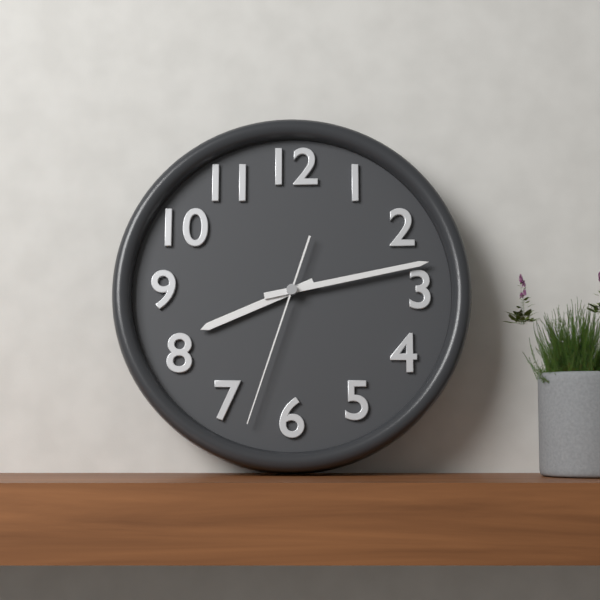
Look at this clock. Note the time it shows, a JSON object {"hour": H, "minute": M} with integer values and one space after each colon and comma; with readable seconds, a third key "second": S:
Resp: {"hour": 8, "minute": 13, "second": 33}
